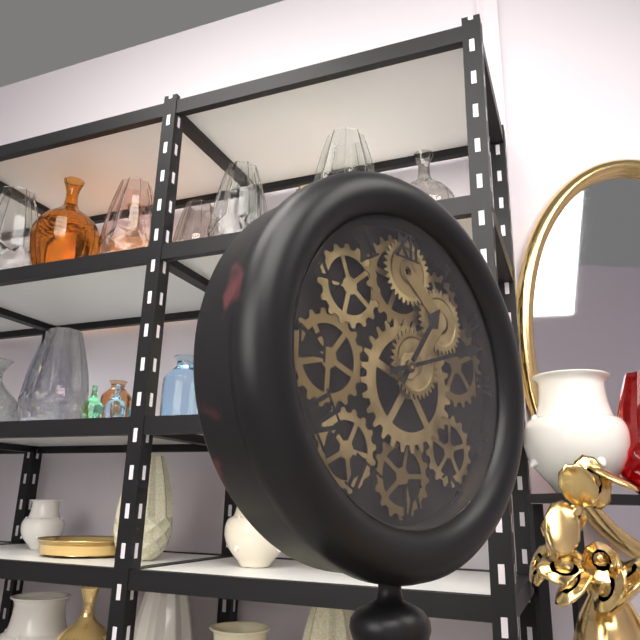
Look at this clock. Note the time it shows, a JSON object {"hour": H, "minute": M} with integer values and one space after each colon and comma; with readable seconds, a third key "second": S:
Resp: {"hour": 1, "minute": 12}
